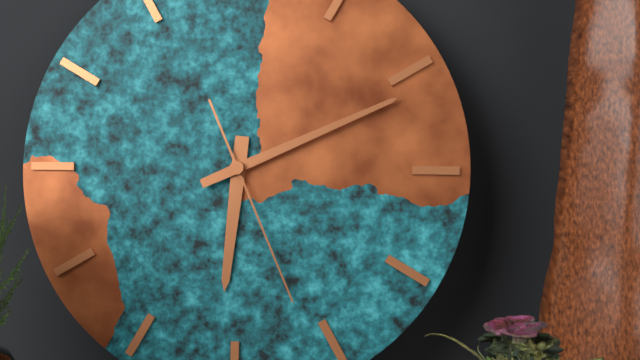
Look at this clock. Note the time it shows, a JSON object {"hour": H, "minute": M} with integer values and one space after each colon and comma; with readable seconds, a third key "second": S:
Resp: {"hour": 6, "minute": 11, "second": 26}
